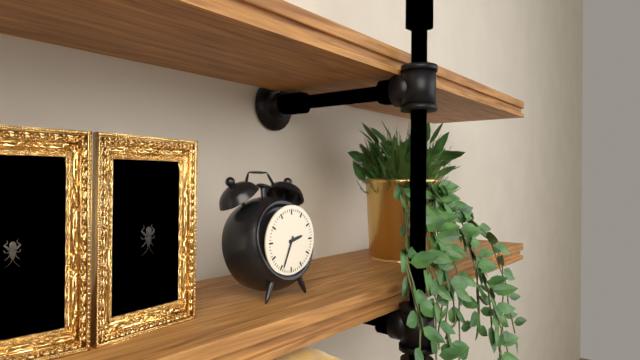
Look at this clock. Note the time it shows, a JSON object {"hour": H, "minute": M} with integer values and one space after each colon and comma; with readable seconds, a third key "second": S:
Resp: {"hour": 2, "minute": 34}
